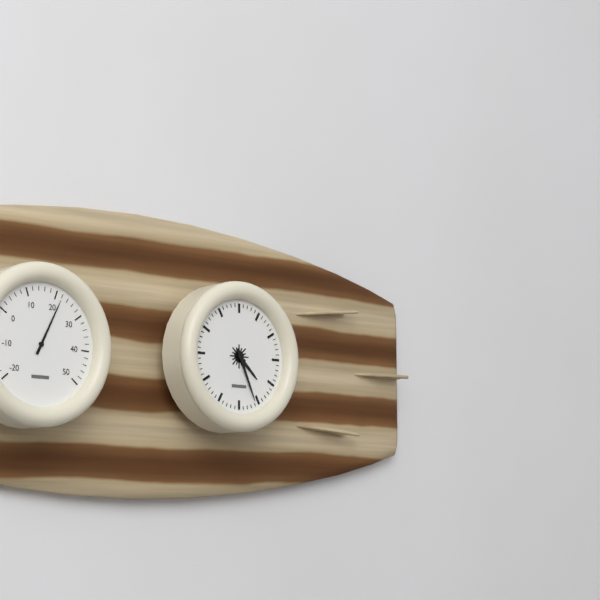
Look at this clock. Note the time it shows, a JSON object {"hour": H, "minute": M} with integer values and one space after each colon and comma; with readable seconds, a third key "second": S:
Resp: {"hour": 4, "minute": 26}
